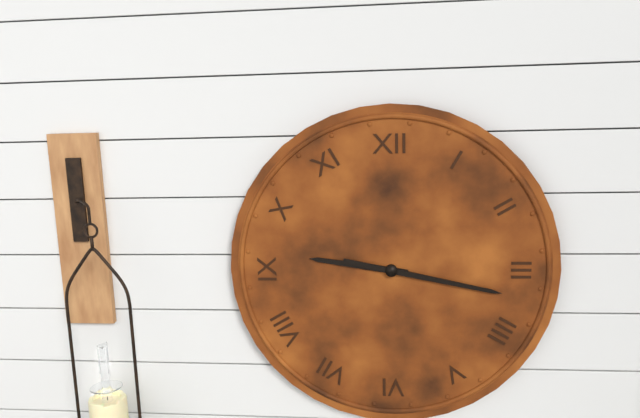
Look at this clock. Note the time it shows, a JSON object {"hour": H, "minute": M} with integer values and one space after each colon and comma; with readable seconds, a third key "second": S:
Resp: {"hour": 9, "minute": 17}
